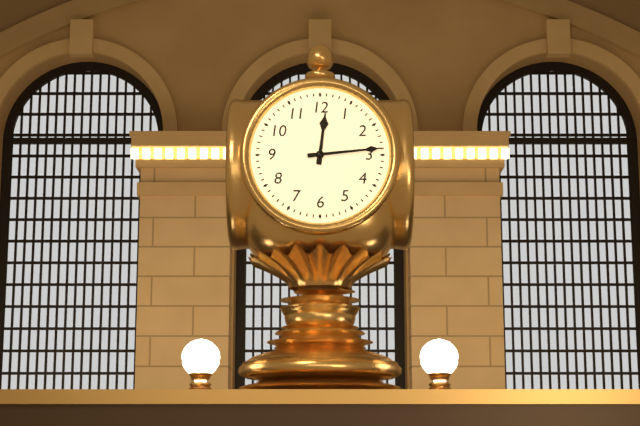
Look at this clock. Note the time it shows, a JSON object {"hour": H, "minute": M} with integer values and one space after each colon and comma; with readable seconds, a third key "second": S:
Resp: {"hour": 12, "minute": 14}
